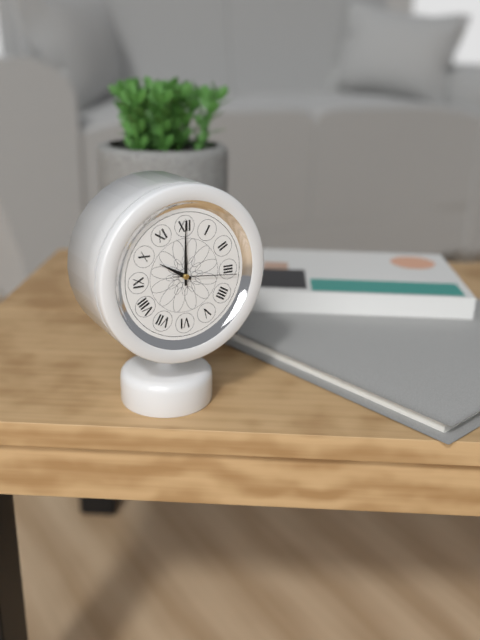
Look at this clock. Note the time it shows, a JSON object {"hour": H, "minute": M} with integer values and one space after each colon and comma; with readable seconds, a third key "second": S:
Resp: {"hour": 10, "minute": 0, "second": 16}
